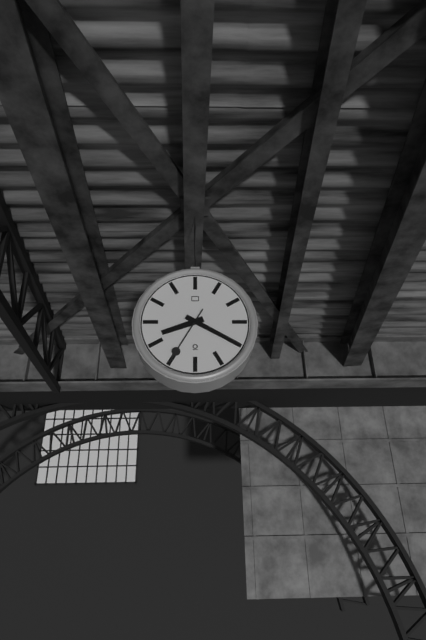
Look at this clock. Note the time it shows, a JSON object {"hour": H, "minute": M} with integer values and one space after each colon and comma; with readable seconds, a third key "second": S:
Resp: {"hour": 8, "minute": 20, "second": 35}
